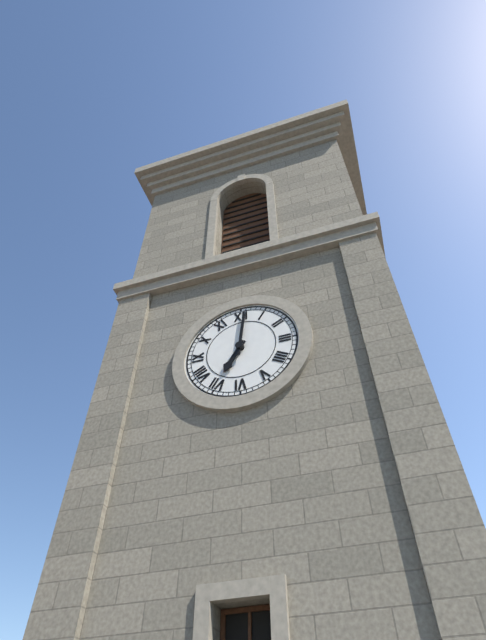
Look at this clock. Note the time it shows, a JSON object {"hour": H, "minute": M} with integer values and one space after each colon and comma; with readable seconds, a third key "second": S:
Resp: {"hour": 7, "minute": 1}
